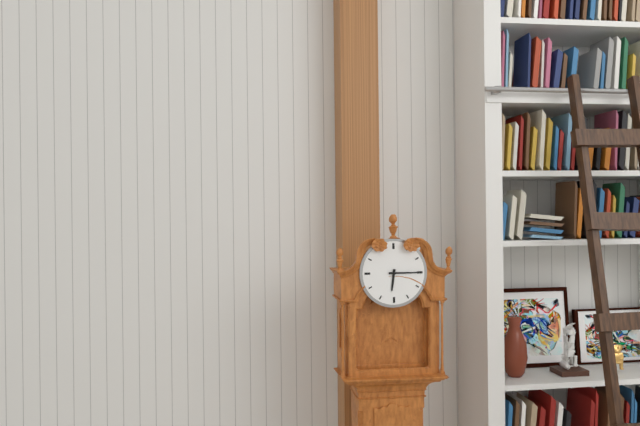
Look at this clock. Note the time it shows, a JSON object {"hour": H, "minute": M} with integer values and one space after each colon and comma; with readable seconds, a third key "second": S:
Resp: {"hour": 6, "minute": 15}
